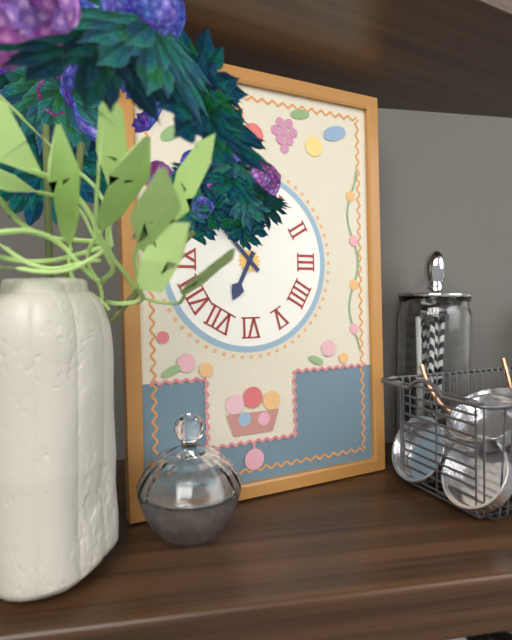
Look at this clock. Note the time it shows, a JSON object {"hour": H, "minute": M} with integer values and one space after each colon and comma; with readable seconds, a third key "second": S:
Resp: {"hour": 6, "minute": 53}
